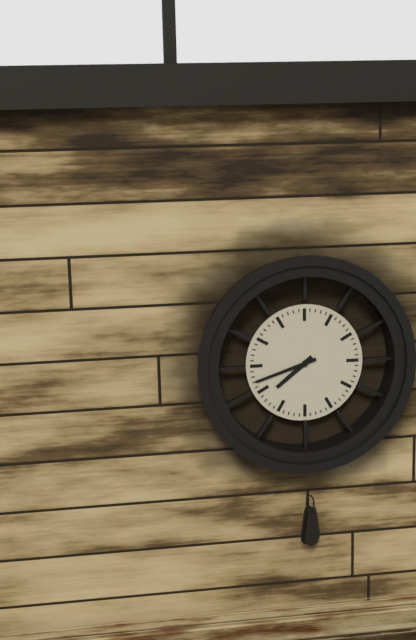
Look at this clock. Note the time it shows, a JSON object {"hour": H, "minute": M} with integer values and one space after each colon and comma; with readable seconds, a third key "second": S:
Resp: {"hour": 7, "minute": 42}
